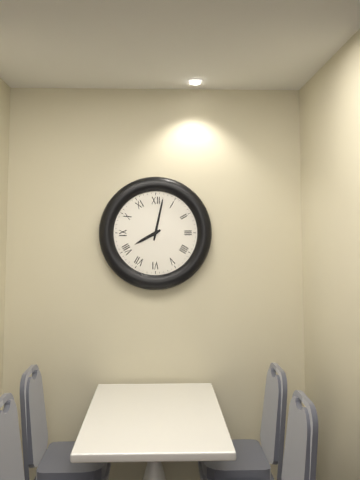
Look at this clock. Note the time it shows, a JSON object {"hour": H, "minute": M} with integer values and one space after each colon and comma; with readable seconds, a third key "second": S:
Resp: {"hour": 8, "minute": 2}
